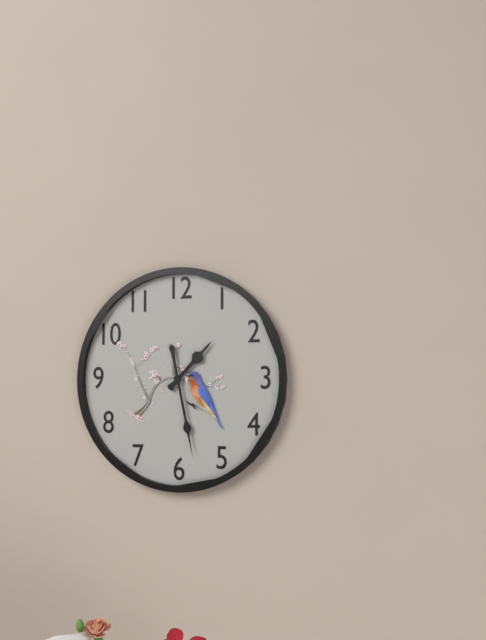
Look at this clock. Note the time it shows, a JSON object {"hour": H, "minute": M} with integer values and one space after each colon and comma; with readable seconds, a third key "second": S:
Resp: {"hour": 1, "minute": 28}
